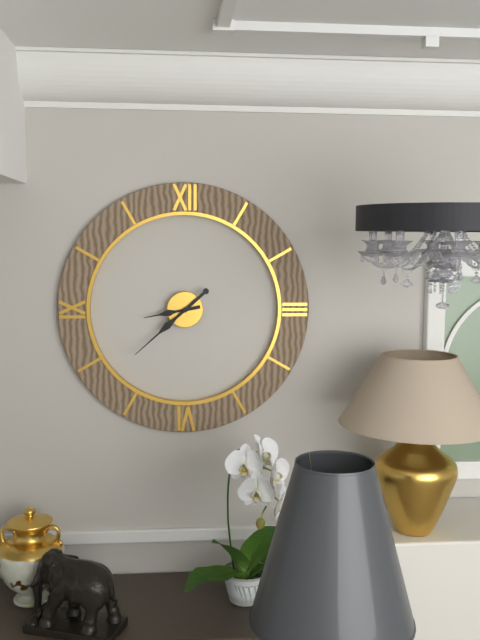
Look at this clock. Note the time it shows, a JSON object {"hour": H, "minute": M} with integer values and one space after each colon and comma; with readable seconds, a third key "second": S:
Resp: {"hour": 8, "minute": 38}
